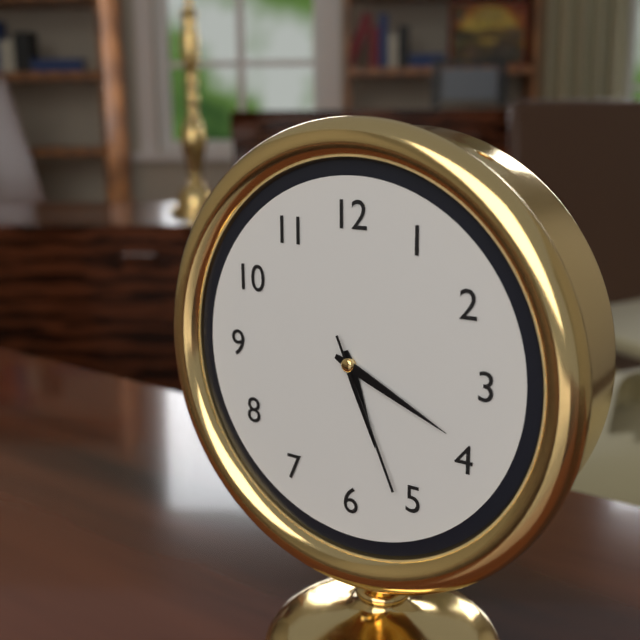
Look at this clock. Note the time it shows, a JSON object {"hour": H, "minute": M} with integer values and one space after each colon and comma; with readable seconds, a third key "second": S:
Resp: {"hour": 5, "minute": 19, "second": 26}
